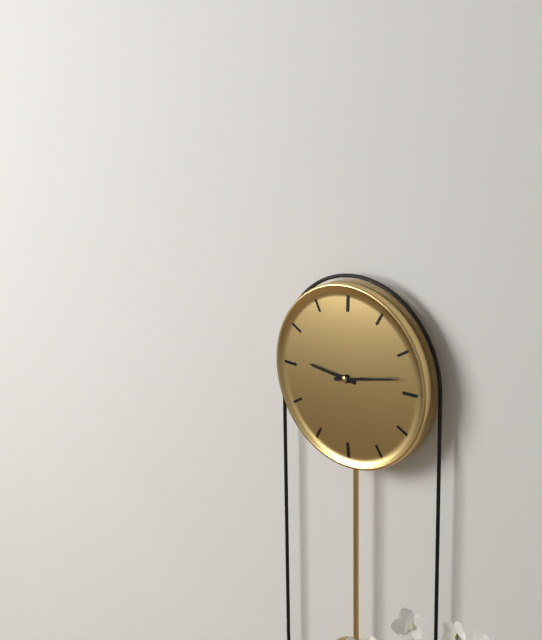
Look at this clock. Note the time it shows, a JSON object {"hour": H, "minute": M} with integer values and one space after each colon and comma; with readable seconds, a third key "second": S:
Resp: {"hour": 9, "minute": 13}
